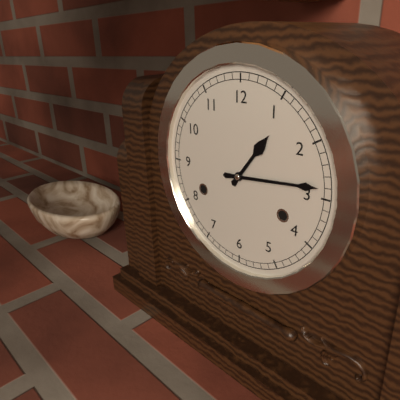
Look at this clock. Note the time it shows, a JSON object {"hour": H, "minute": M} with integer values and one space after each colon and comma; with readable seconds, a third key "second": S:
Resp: {"hour": 1, "minute": 14}
